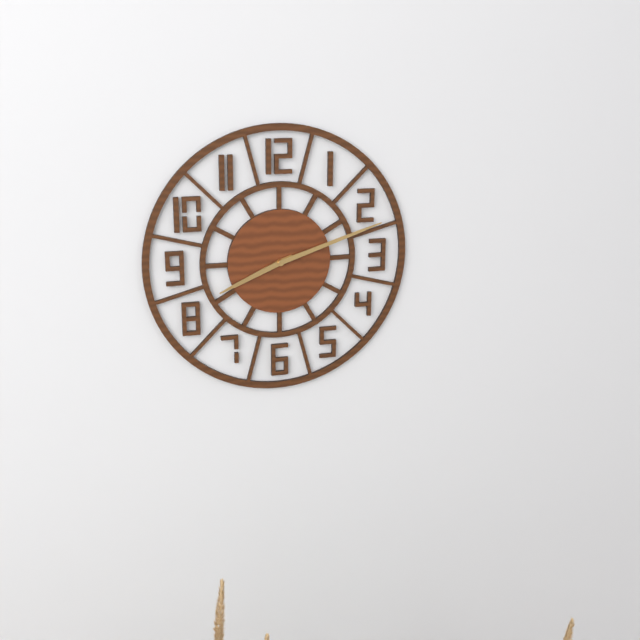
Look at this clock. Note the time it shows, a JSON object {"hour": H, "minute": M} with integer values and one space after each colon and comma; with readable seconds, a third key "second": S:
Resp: {"hour": 8, "minute": 12}
